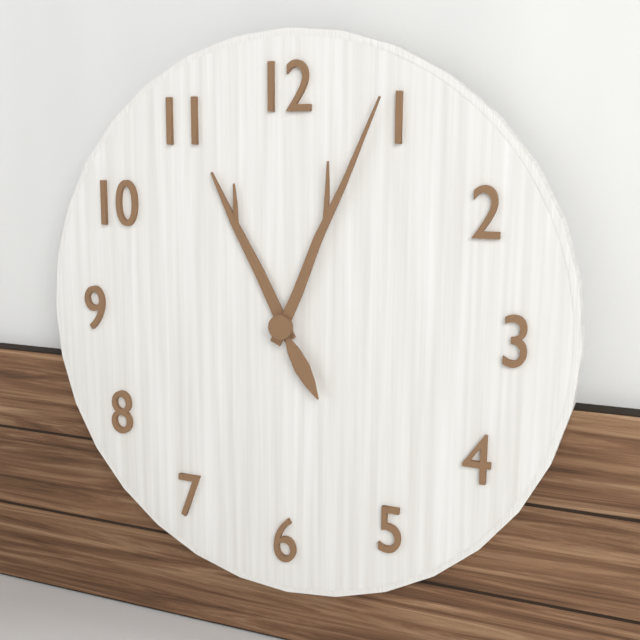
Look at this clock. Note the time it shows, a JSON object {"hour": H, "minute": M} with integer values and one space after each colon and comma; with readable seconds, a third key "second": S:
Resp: {"hour": 11, "minute": 4, "second": 25}
